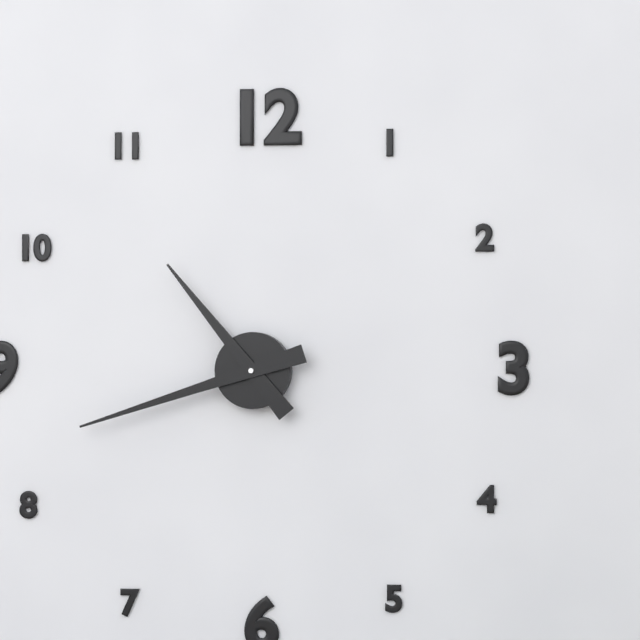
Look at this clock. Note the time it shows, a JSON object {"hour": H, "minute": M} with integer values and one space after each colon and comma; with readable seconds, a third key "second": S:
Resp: {"hour": 10, "minute": 42}
